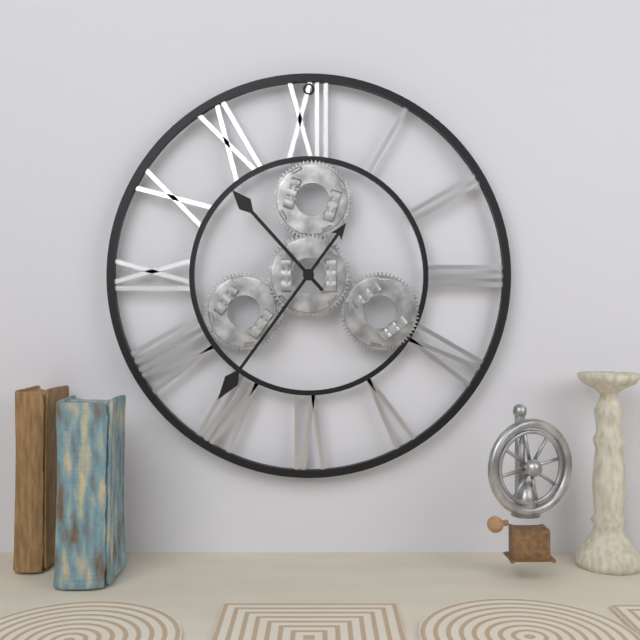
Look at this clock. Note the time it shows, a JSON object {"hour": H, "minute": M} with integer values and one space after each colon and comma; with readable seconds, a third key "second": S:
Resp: {"hour": 10, "minute": 36}
